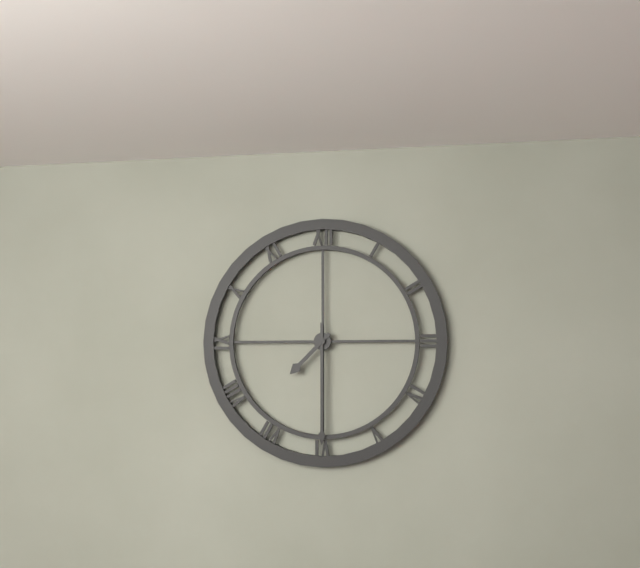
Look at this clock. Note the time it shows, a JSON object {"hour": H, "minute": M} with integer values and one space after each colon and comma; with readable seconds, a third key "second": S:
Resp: {"hour": 7, "minute": 30}
